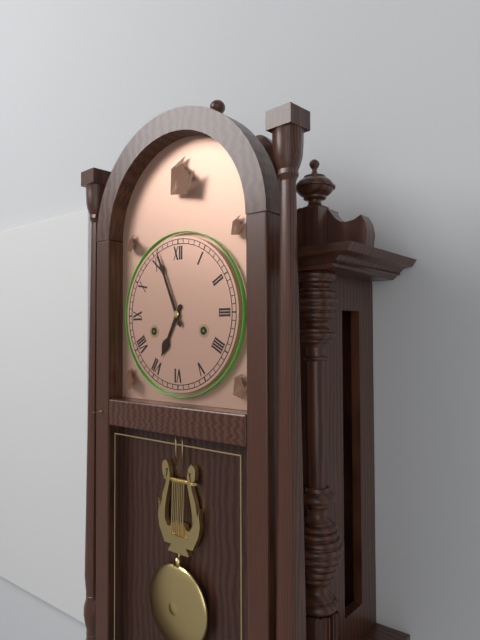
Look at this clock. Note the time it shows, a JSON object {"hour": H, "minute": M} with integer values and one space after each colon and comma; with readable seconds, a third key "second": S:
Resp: {"hour": 6, "minute": 56}
